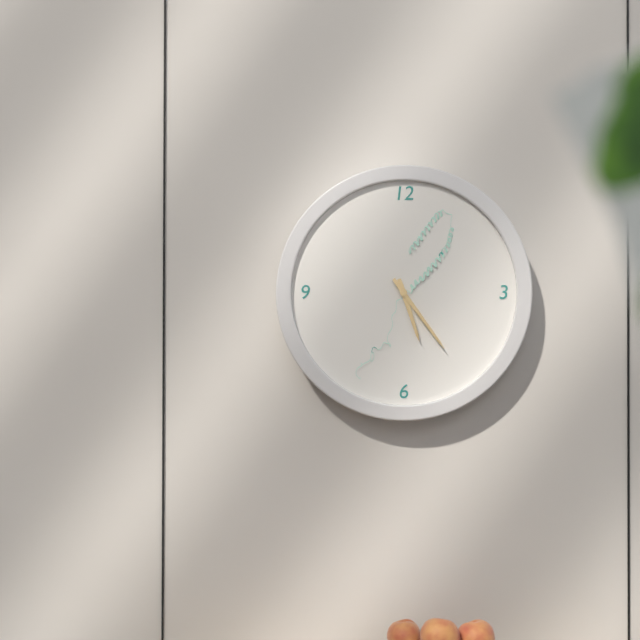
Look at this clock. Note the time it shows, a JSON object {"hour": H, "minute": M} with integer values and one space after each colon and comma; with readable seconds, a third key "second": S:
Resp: {"hour": 5, "minute": 24}
